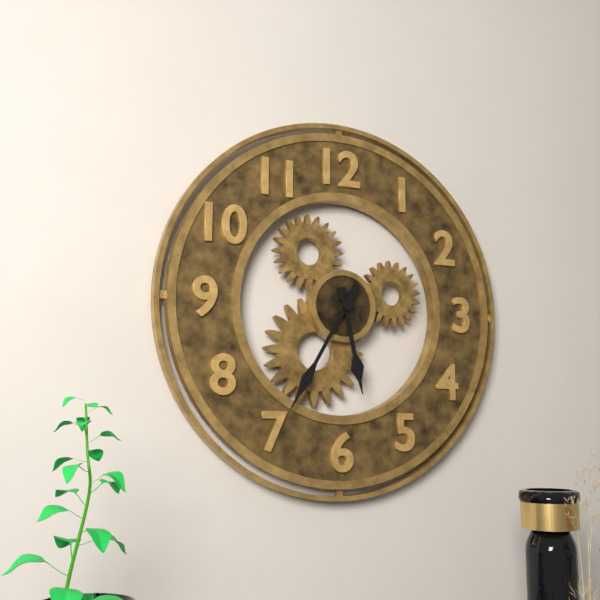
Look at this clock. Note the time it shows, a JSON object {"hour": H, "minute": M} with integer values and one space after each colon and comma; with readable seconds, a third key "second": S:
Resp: {"hour": 5, "minute": 35}
